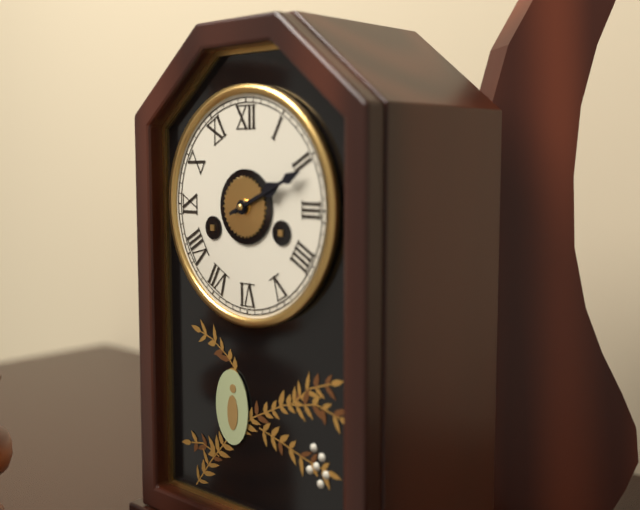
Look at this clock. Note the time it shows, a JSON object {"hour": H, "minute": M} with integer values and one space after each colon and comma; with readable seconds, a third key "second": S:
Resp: {"hour": 2, "minute": 11}
